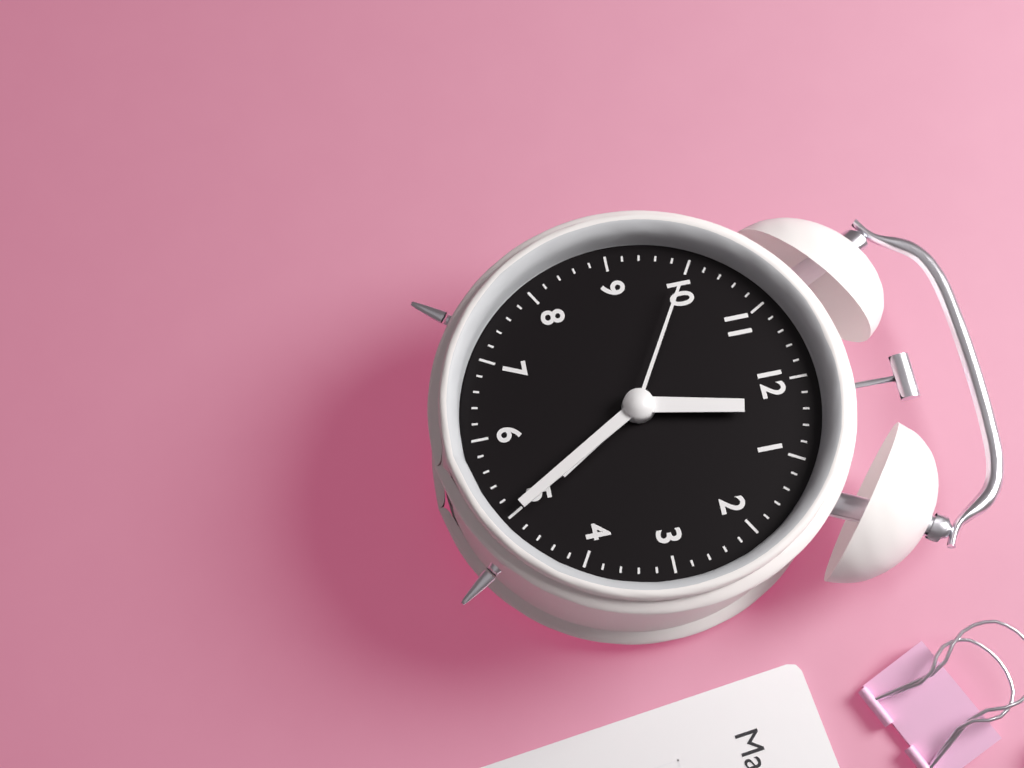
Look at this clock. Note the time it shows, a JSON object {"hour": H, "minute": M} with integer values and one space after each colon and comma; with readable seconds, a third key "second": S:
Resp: {"hour": 12, "minute": 25, "second": 50}
